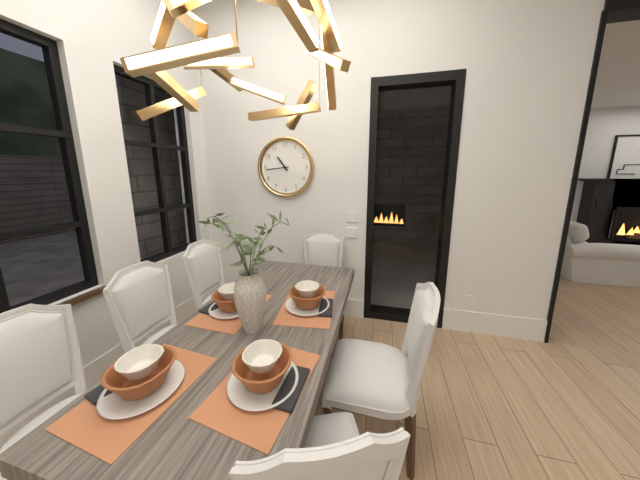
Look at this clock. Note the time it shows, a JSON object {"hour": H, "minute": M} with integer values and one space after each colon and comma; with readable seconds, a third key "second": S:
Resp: {"hour": 10, "minute": 44}
